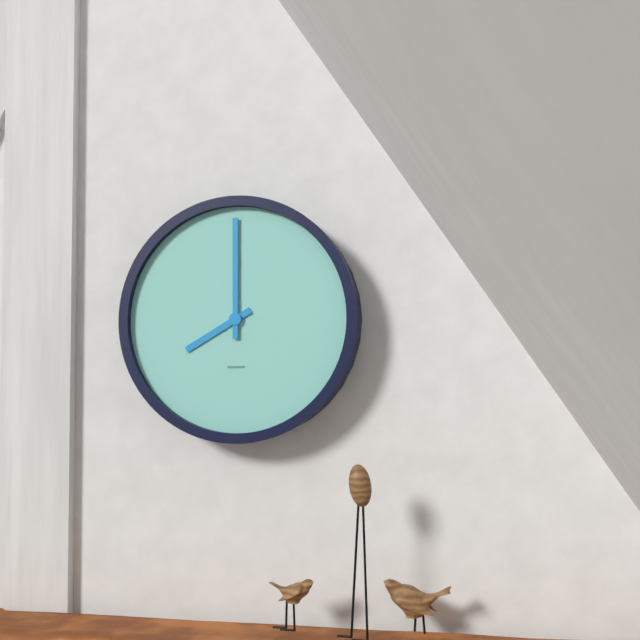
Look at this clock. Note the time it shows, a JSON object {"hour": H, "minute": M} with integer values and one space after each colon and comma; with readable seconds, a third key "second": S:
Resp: {"hour": 8, "minute": 0}
